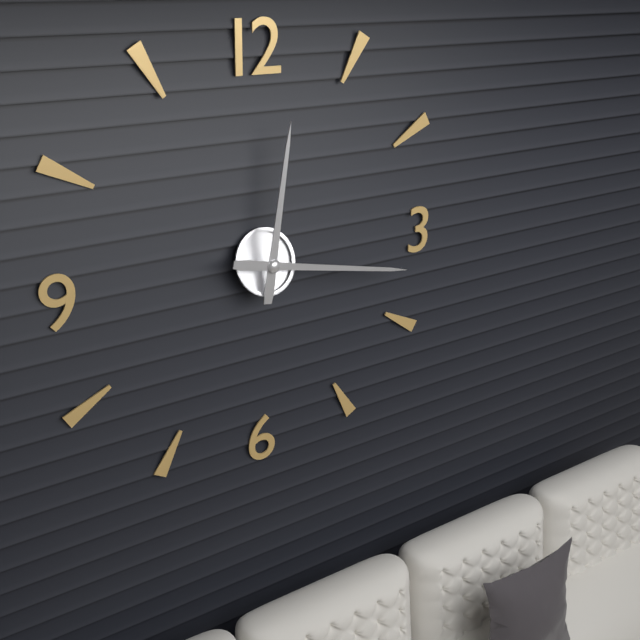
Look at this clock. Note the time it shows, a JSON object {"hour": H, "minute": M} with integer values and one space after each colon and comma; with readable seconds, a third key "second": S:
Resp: {"hour": 12, "minute": 17}
